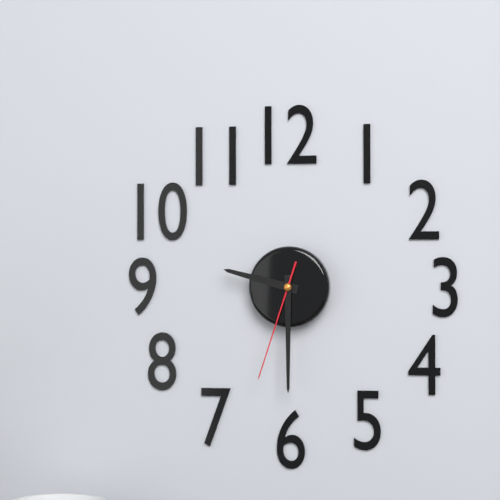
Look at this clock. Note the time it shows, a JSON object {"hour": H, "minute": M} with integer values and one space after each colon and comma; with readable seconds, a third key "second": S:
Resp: {"hour": 9, "minute": 30, "second": 33}
